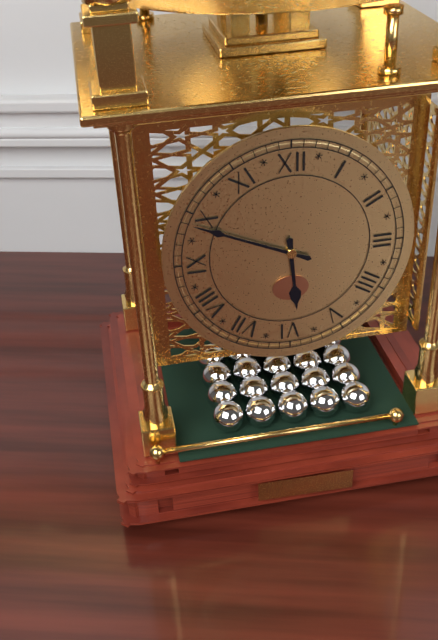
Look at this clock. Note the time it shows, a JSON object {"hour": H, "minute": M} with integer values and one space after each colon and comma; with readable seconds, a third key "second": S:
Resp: {"hour": 5, "minute": 49}
